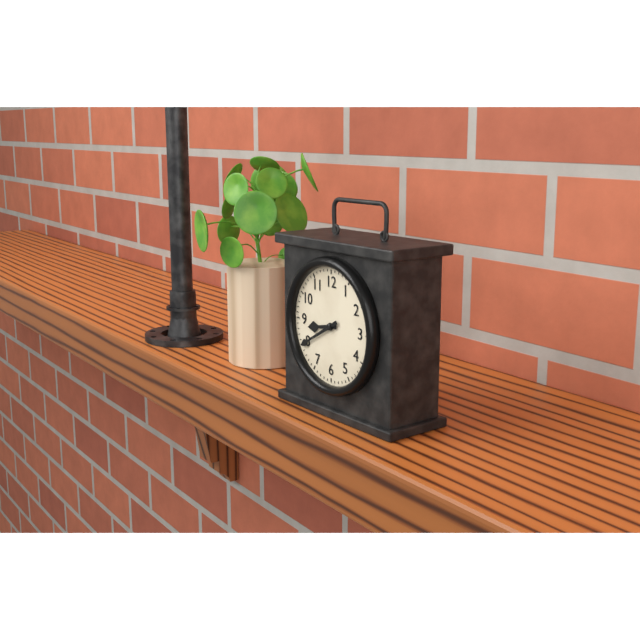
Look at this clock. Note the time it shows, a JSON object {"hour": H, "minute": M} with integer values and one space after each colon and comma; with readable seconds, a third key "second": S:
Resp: {"hour": 8, "minute": 40}
